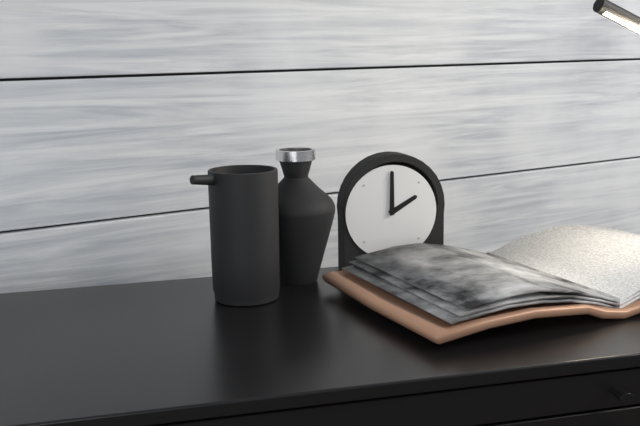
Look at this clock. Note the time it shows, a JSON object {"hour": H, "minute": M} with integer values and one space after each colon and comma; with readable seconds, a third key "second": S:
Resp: {"hour": 2, "minute": 0}
